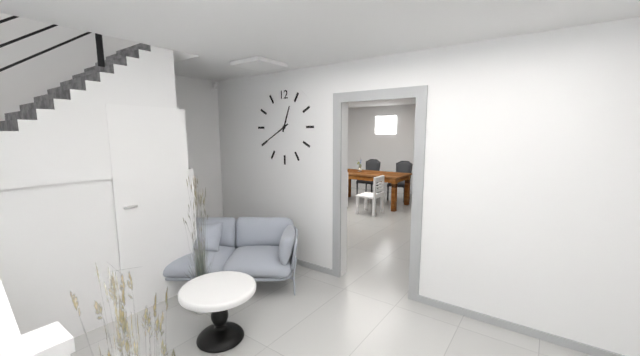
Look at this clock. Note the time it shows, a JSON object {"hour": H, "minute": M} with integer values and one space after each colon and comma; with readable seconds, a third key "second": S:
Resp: {"hour": 12, "minute": 40}
